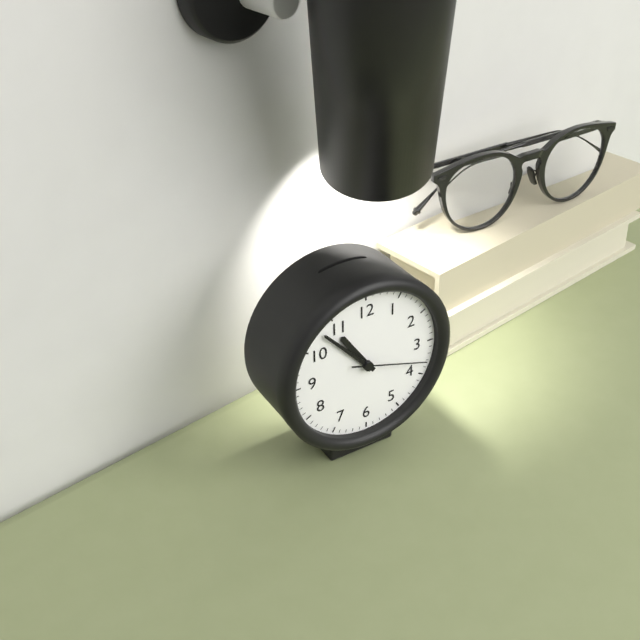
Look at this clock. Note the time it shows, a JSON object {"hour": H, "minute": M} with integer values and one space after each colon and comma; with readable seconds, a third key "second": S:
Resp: {"hour": 10, "minute": 53, "second": 18}
